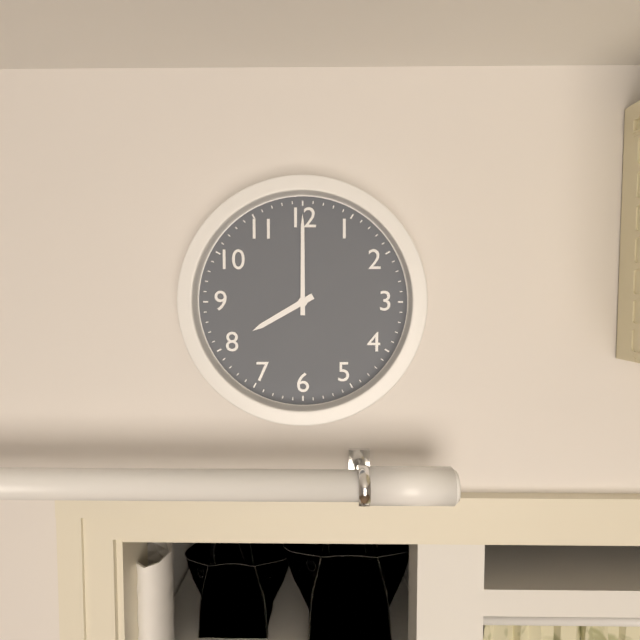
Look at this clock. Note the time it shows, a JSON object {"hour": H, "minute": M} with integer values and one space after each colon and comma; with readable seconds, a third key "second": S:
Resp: {"hour": 8, "minute": 0}
